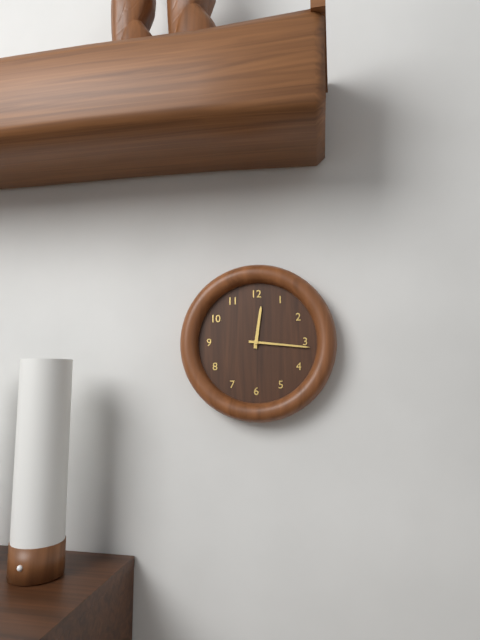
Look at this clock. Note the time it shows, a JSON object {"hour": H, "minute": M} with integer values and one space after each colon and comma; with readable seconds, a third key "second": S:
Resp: {"hour": 12, "minute": 16}
